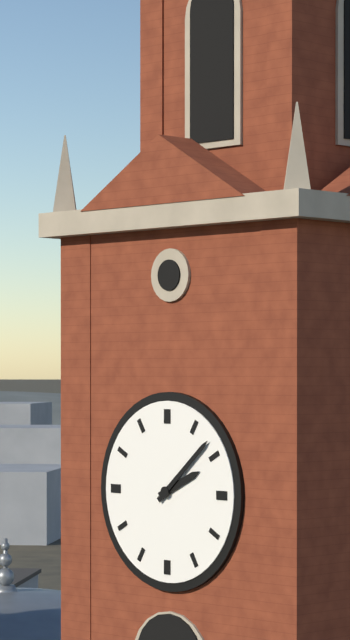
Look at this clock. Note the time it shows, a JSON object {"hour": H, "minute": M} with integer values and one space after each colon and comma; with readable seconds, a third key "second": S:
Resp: {"hour": 2, "minute": 8}
